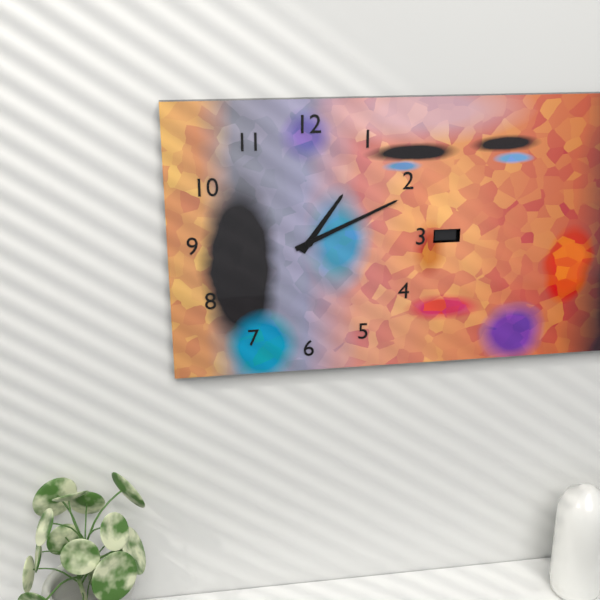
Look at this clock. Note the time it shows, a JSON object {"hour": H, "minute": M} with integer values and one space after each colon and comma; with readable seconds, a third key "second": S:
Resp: {"hour": 1, "minute": 11}
